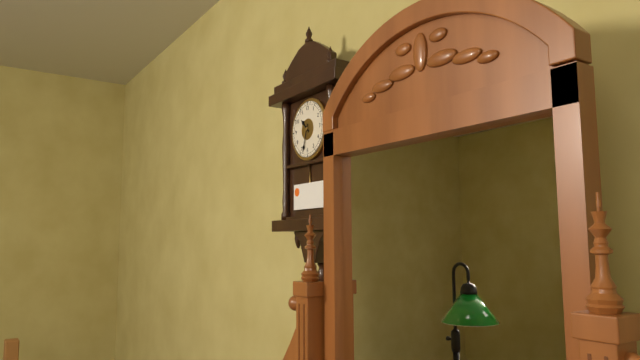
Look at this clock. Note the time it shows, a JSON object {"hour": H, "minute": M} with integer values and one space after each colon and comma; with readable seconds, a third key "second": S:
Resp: {"hour": 10, "minute": 33}
